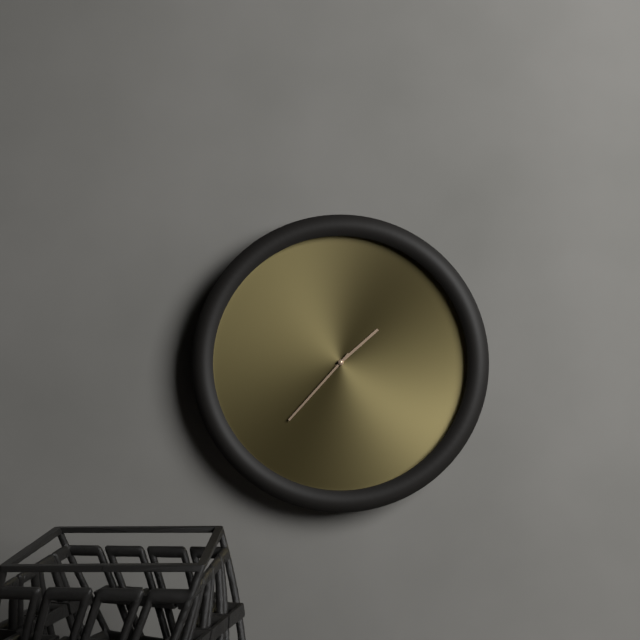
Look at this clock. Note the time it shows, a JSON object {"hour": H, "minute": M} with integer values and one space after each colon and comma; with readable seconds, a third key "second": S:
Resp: {"hour": 1, "minute": 37}
